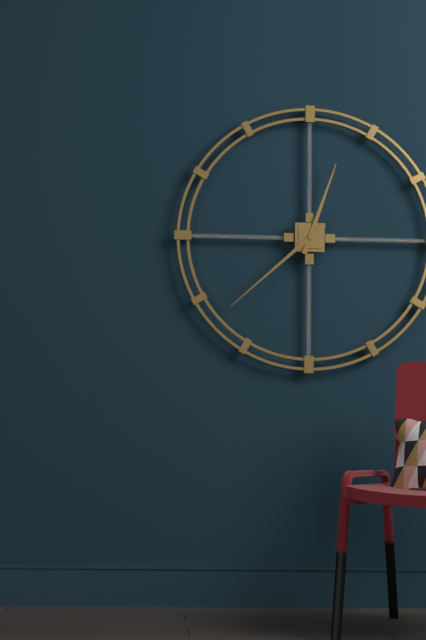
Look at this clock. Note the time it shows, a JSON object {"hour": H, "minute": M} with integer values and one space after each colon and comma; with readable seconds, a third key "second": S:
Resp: {"hour": 12, "minute": 38}
